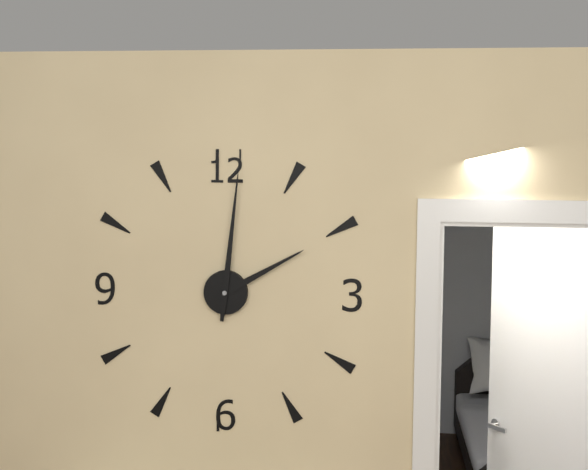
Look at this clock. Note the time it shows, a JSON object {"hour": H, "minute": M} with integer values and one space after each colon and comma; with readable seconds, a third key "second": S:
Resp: {"hour": 2, "minute": 1}
